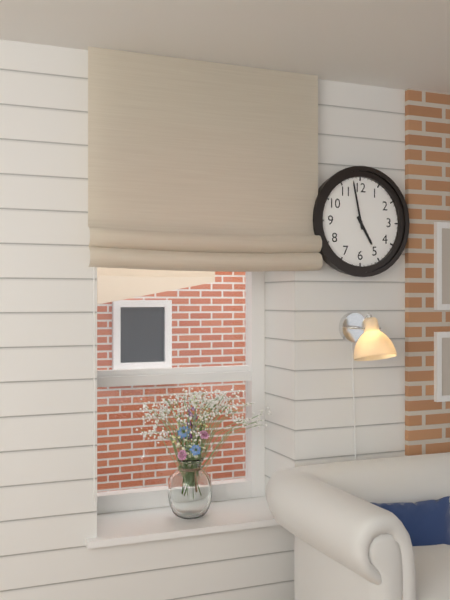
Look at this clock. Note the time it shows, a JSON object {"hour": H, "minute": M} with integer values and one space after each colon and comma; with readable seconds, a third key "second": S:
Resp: {"hour": 4, "minute": 58}
